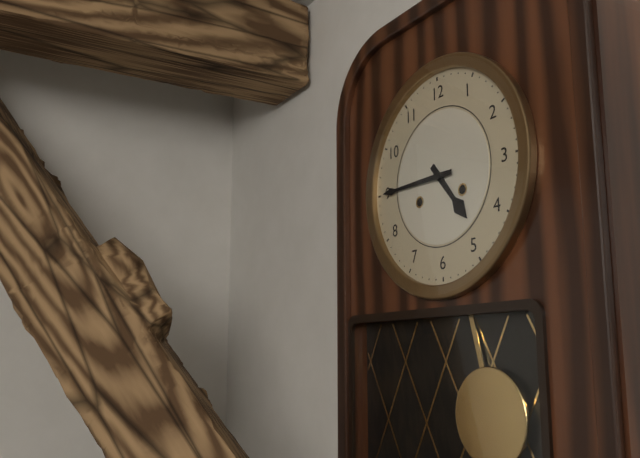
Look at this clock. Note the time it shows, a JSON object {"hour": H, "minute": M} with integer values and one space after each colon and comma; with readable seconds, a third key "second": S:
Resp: {"hour": 4, "minute": 45}
